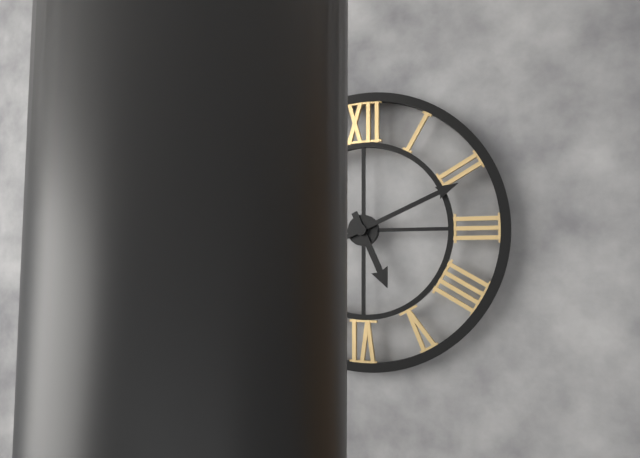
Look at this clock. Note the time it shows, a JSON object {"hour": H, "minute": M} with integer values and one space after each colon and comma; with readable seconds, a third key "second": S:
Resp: {"hour": 5, "minute": 11}
